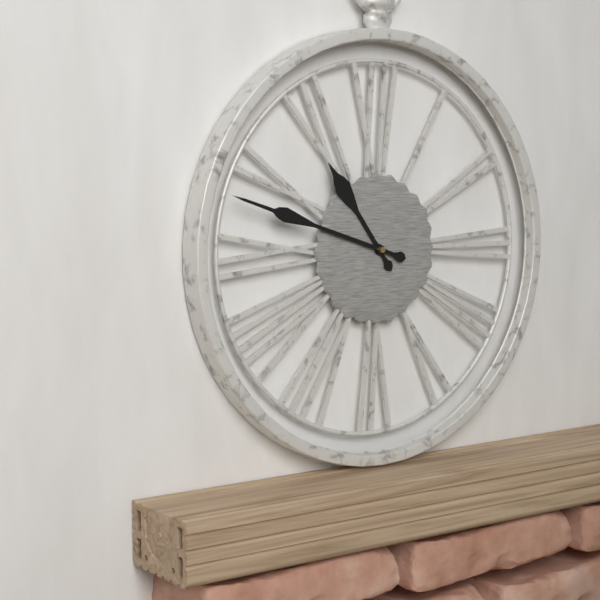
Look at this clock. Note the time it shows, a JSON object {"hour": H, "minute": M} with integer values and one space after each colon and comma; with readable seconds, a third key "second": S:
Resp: {"hour": 10, "minute": 48}
